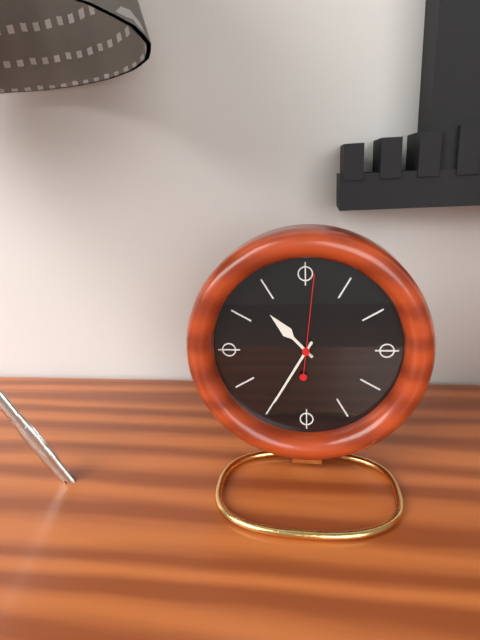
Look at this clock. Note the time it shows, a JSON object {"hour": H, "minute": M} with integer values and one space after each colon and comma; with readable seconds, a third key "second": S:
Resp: {"hour": 10, "minute": 35, "second": 1}
